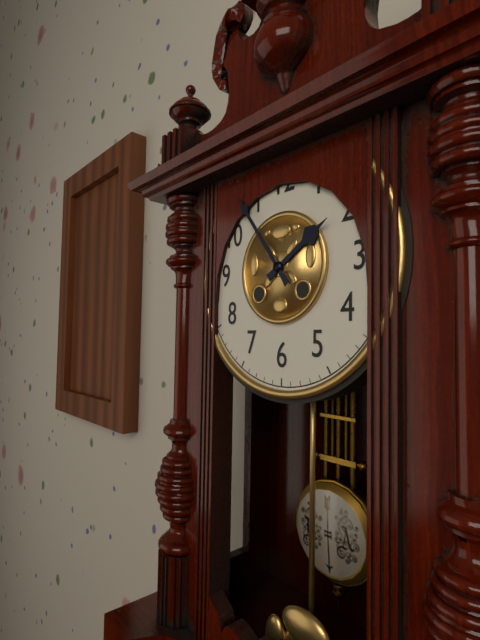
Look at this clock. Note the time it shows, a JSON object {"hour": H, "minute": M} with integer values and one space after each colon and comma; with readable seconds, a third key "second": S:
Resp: {"hour": 1, "minute": 54}
